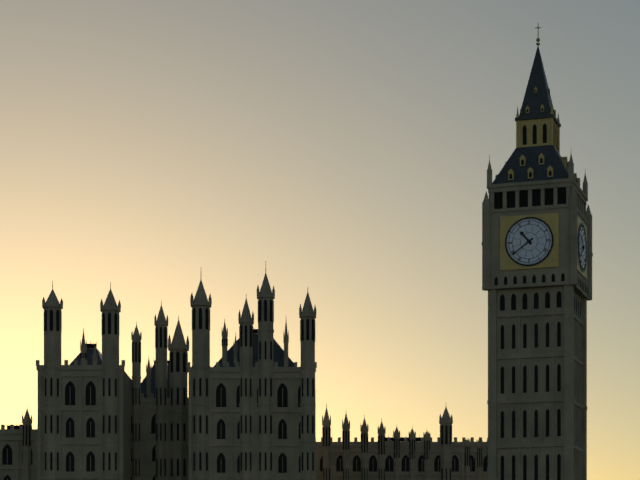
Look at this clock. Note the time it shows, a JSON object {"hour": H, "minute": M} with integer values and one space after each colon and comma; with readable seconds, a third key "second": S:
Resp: {"hour": 10, "minute": 39}
